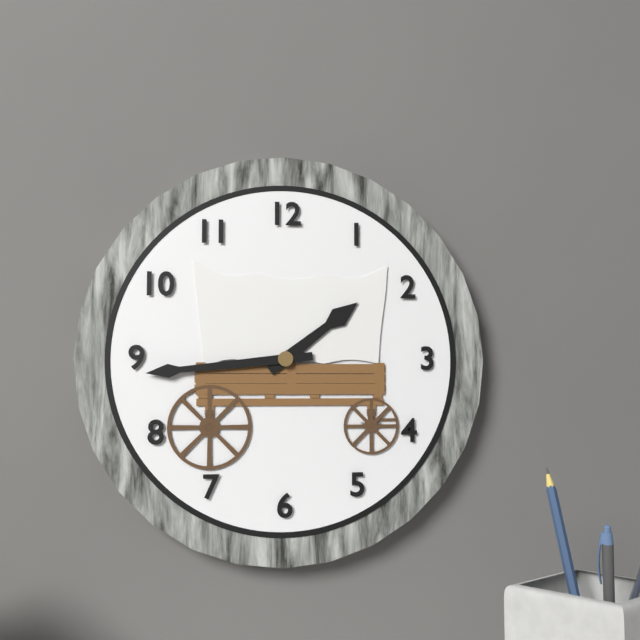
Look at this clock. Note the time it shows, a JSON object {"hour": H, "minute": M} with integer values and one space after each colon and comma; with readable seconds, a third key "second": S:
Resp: {"hour": 1, "minute": 44}
